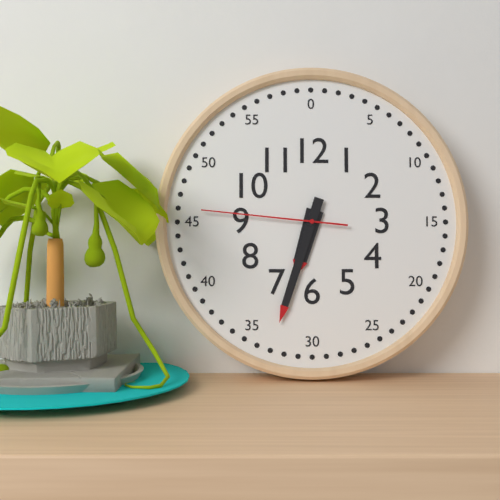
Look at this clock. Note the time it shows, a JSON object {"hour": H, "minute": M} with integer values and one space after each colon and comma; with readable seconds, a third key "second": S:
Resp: {"hour": 6, "minute": 33, "second": 46}
